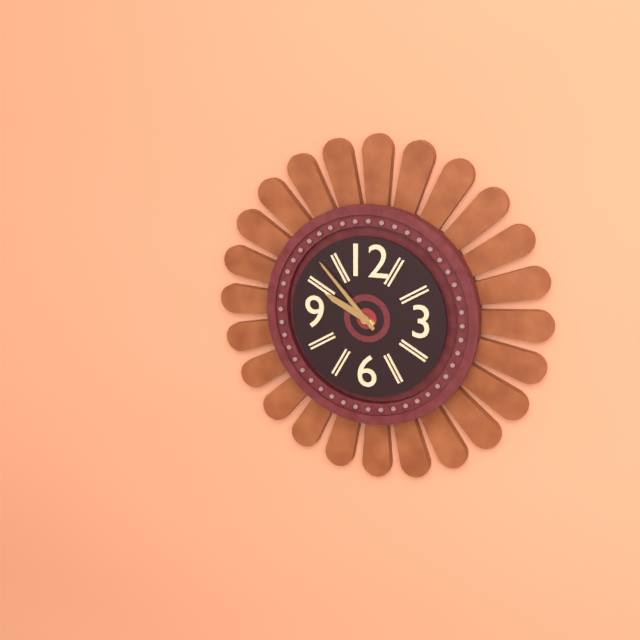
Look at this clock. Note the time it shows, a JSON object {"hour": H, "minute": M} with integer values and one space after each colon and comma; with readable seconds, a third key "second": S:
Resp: {"hour": 9, "minute": 53}
